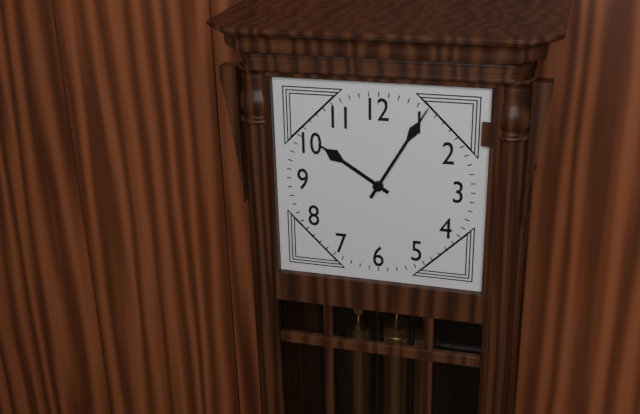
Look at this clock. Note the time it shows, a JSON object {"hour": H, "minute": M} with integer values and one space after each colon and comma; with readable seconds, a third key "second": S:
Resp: {"hour": 10, "minute": 5}
